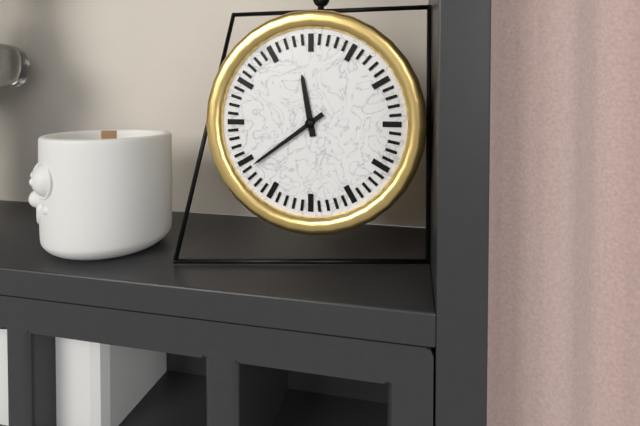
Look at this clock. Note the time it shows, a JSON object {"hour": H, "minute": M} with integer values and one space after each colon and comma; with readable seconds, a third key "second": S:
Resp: {"hour": 11, "minute": 39}
